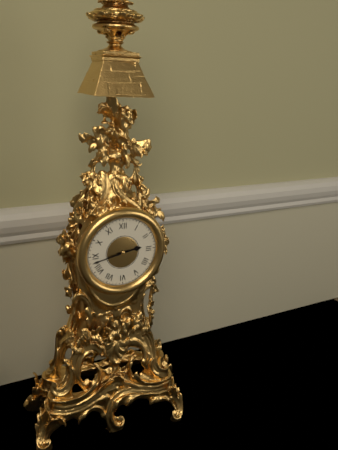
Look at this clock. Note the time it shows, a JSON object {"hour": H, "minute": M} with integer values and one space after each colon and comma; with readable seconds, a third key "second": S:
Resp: {"hour": 2, "minute": 43}
